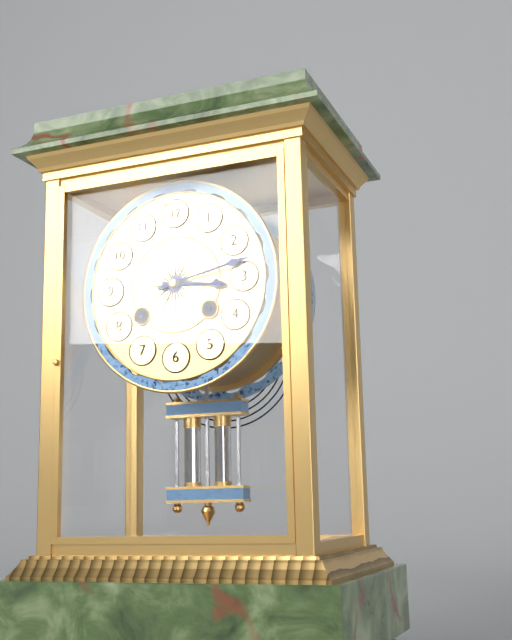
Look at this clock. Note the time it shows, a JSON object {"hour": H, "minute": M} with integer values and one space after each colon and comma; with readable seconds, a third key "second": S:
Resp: {"hour": 3, "minute": 13}
